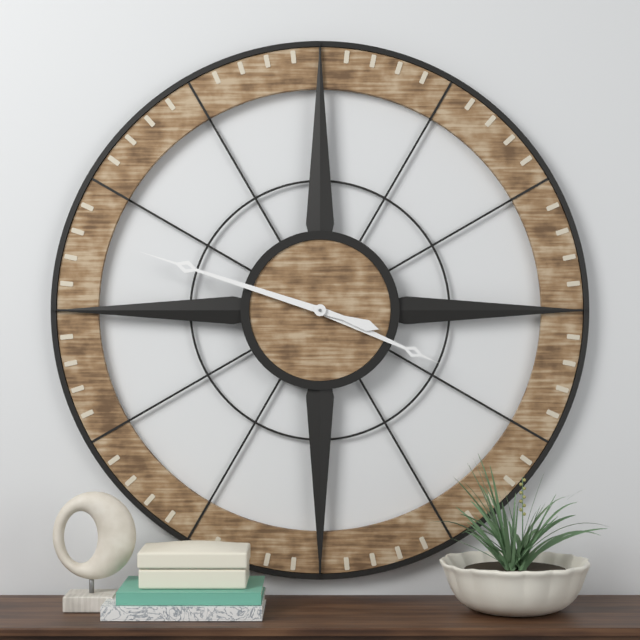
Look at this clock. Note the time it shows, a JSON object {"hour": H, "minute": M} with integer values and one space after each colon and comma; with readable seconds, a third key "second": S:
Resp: {"hour": 3, "minute": 48}
